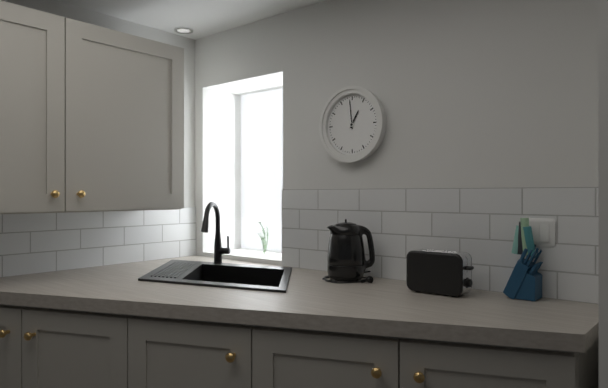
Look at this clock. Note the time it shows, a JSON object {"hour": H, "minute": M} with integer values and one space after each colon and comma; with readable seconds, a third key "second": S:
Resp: {"hour": 12, "minute": 59}
